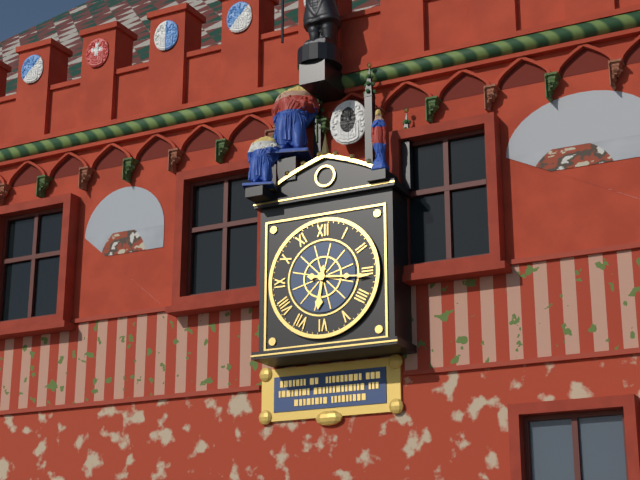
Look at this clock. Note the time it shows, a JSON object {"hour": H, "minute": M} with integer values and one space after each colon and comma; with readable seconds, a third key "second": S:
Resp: {"hour": 6, "minute": 16}
